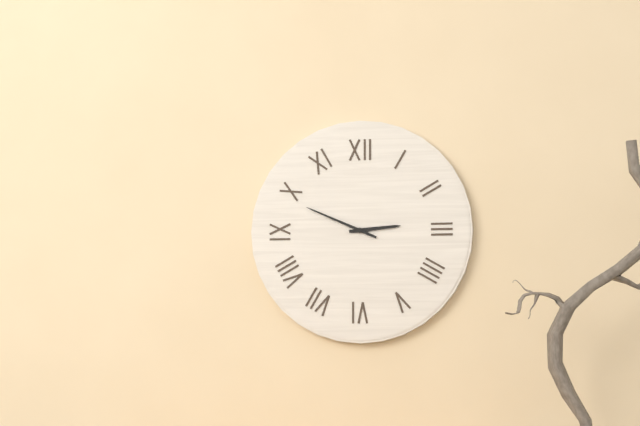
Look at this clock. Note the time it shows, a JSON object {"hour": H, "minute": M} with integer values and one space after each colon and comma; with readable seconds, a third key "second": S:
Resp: {"hour": 2, "minute": 49}
